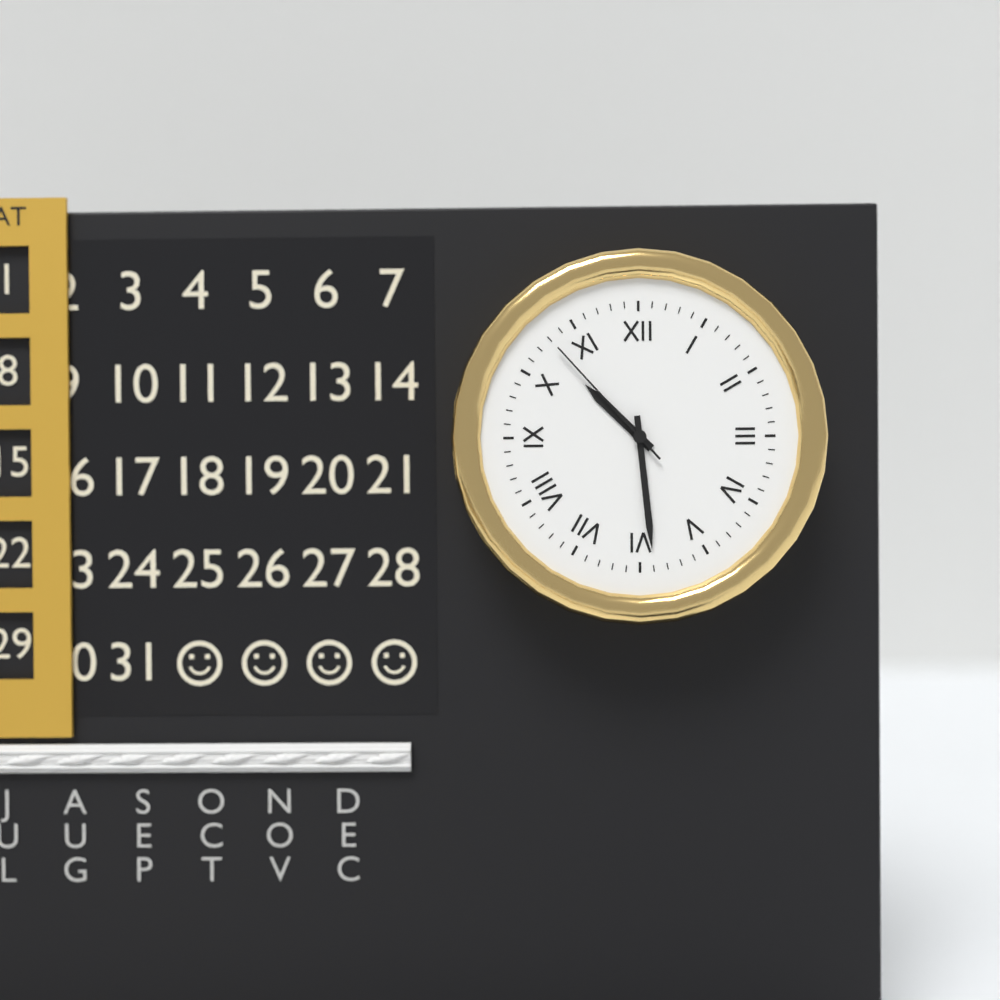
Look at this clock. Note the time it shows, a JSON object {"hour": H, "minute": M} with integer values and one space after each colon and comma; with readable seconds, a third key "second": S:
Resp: {"hour": 10, "minute": 29, "second": 53}
